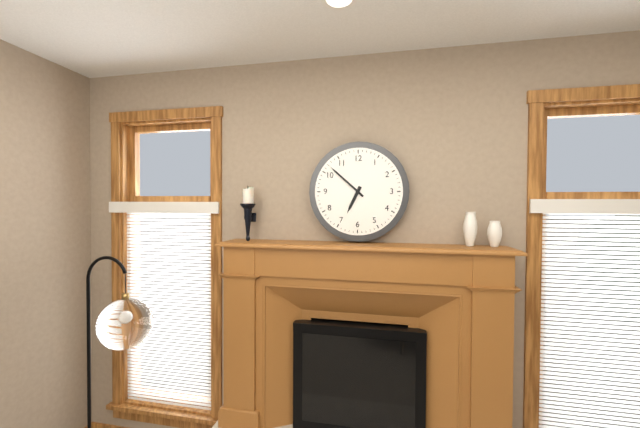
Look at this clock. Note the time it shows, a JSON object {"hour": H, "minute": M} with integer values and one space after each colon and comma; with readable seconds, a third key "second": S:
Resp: {"hour": 6, "minute": 52}
